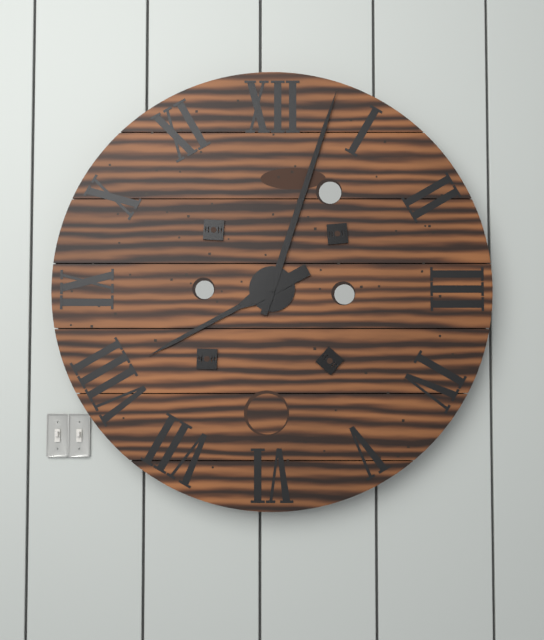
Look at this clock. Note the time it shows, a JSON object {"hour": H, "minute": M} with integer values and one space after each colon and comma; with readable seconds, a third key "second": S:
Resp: {"hour": 8, "minute": 3}
